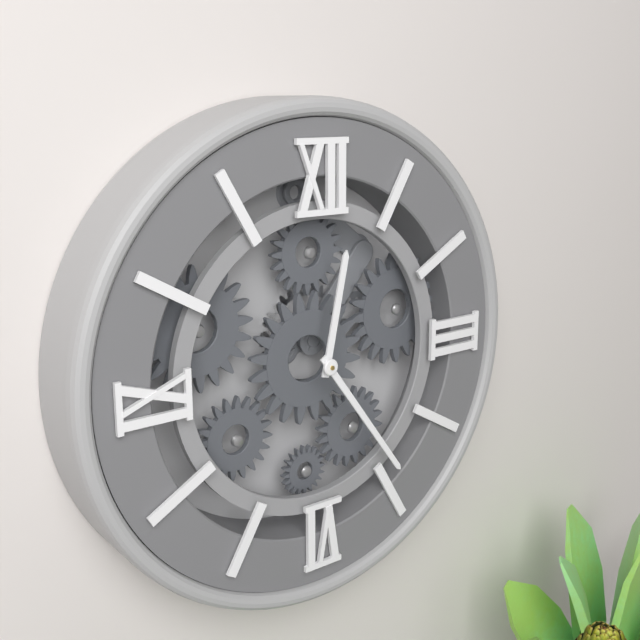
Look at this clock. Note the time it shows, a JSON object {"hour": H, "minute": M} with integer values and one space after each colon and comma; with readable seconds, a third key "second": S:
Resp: {"hour": 12, "minute": 24}
